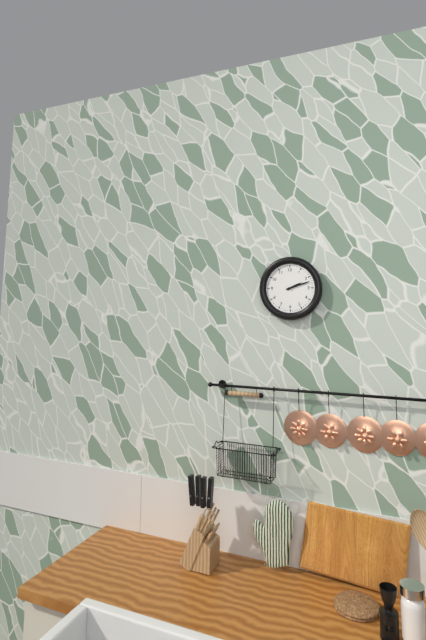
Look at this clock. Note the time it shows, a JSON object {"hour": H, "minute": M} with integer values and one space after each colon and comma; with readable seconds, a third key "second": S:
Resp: {"hour": 2, "minute": 12}
